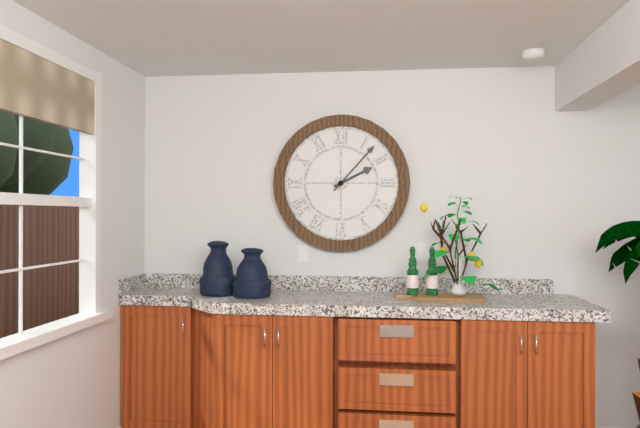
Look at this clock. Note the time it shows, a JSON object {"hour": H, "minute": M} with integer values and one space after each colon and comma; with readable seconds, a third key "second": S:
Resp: {"hour": 2, "minute": 7}
